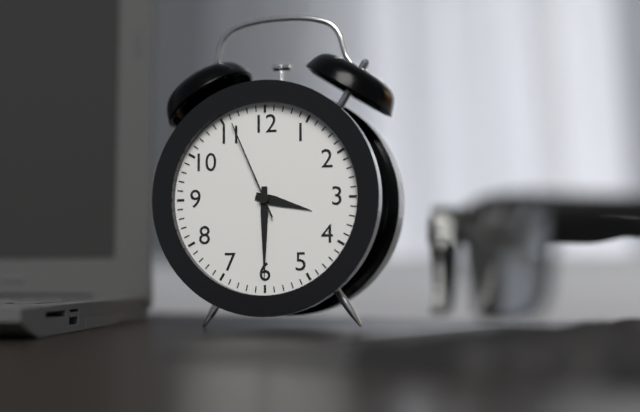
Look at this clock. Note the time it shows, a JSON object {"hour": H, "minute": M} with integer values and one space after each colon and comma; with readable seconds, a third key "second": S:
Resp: {"hour": 3, "minute": 30, "second": 56}
